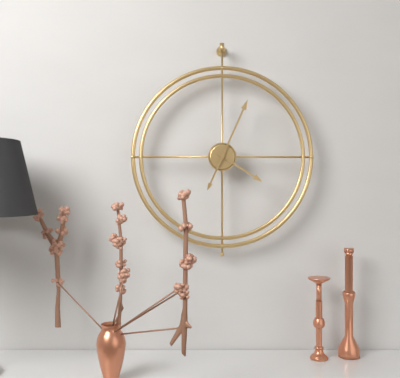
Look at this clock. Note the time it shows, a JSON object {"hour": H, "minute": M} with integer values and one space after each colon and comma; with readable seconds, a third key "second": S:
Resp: {"hour": 4, "minute": 4}
